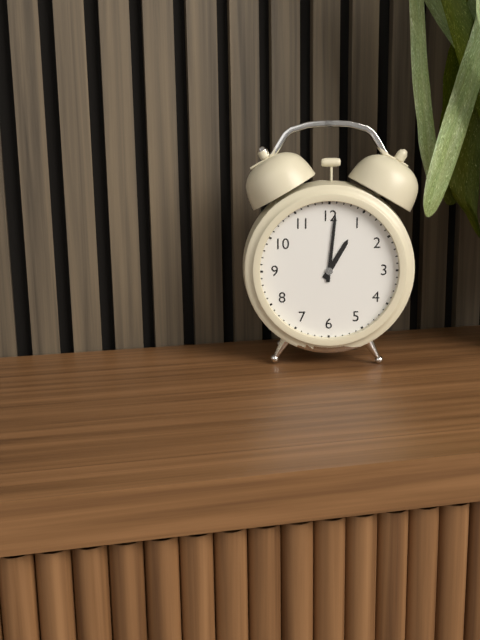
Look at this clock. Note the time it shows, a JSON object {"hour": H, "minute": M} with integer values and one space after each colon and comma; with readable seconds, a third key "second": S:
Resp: {"hour": 1, "minute": 1}
